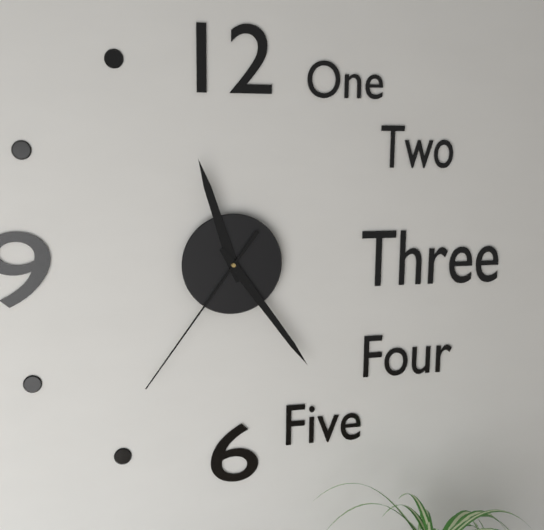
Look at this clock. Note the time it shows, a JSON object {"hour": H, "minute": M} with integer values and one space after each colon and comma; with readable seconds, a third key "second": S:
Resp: {"hour": 11, "minute": 24, "second": 36}
